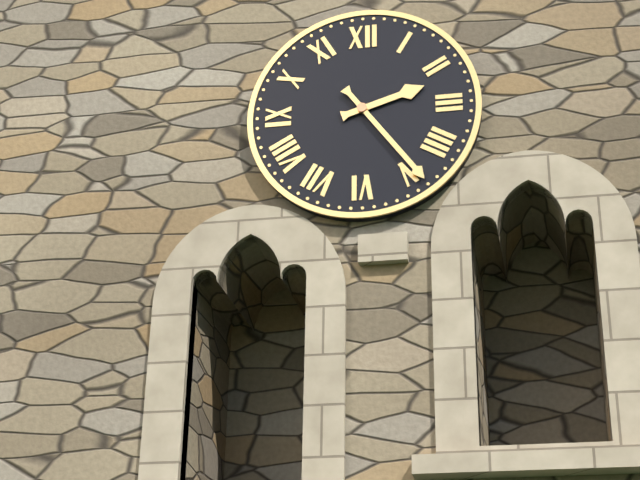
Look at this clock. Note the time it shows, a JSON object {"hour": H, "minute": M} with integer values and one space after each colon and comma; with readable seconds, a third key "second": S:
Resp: {"hour": 2, "minute": 24}
